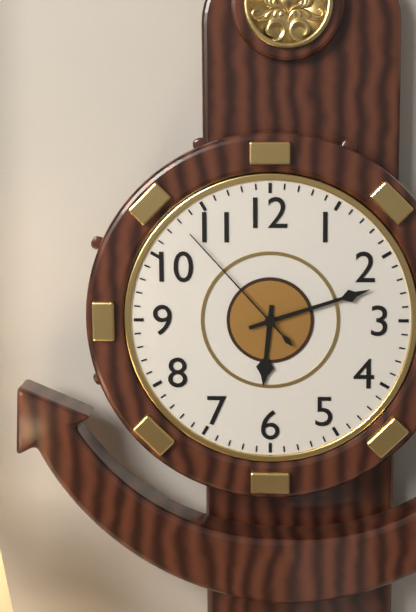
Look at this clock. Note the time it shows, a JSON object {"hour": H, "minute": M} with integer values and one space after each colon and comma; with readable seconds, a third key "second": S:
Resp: {"hour": 6, "minute": 12, "second": 53}
